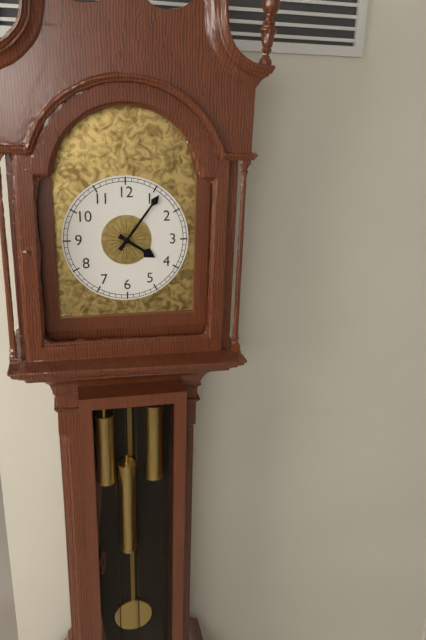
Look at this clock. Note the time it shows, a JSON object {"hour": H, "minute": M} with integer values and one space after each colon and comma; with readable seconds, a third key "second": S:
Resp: {"hour": 4, "minute": 6}
